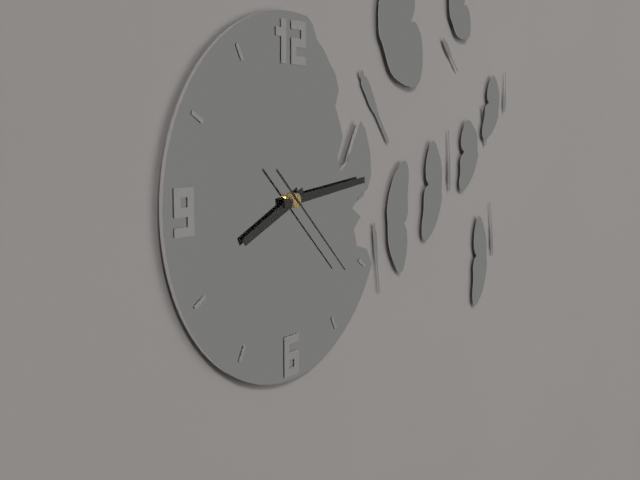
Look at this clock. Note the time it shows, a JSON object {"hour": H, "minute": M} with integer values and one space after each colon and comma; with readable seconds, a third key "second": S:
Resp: {"hour": 8, "minute": 14, "second": 22}
